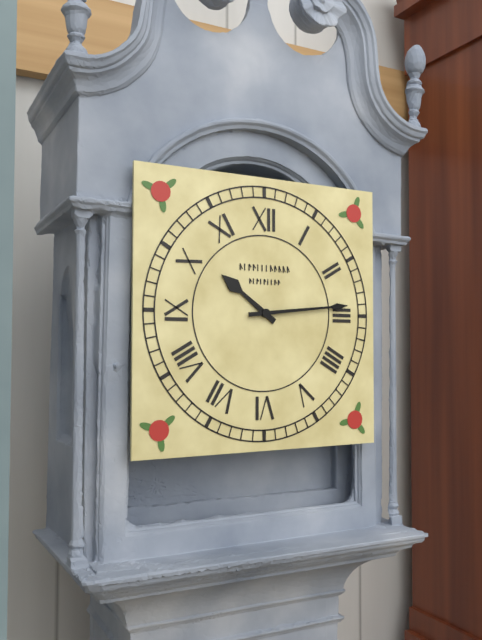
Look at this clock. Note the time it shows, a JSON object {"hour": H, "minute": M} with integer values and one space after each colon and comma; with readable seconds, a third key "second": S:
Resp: {"hour": 10, "minute": 14}
